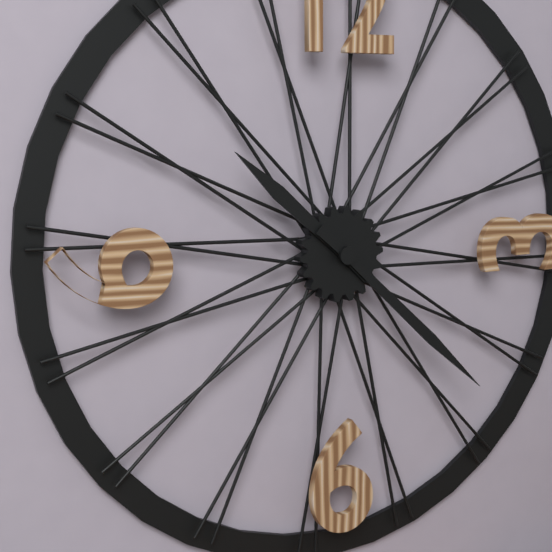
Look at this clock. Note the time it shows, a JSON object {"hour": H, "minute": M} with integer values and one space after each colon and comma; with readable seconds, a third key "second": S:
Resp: {"hour": 10, "minute": 22}
